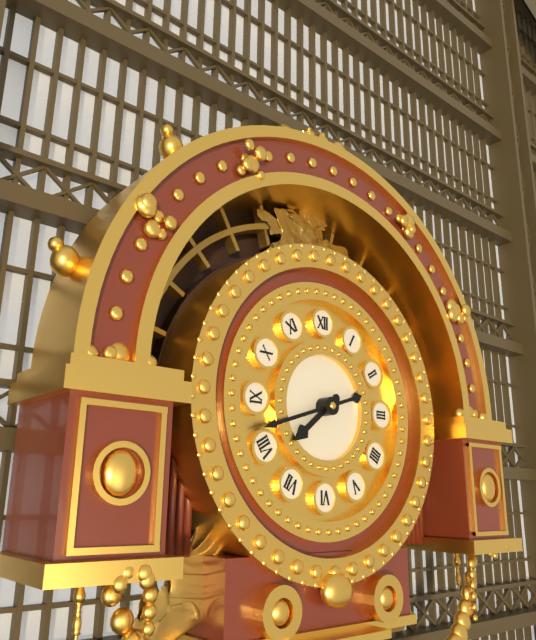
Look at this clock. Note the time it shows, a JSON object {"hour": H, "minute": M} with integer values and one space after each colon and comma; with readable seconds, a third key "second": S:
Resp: {"hour": 7, "minute": 42}
